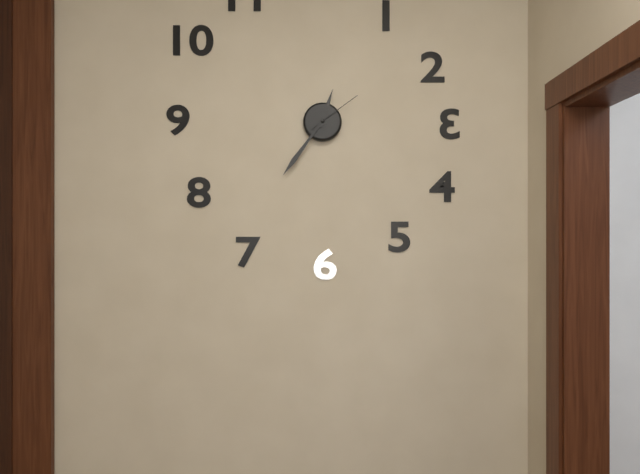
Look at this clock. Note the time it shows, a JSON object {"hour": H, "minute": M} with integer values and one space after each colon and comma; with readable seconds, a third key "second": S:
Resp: {"hour": 12, "minute": 36, "second": 9}
